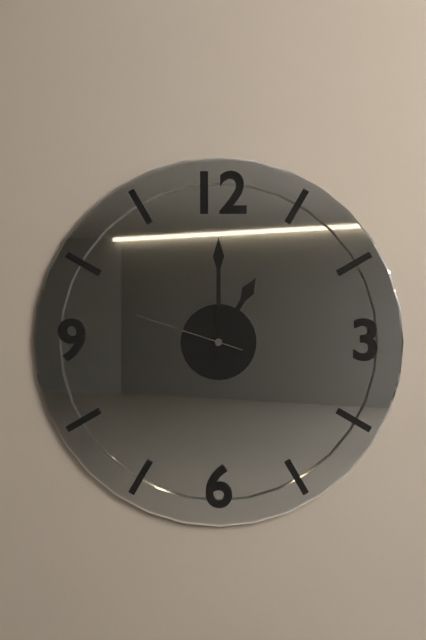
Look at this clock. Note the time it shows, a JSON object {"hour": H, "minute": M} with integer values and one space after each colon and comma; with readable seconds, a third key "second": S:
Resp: {"hour": 1, "minute": 0, "second": 48}
